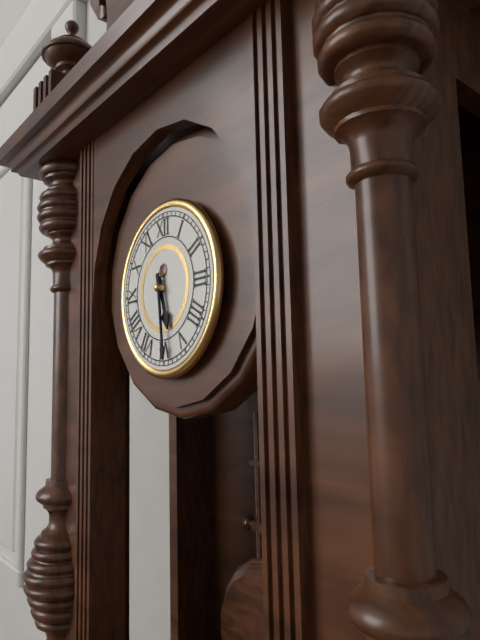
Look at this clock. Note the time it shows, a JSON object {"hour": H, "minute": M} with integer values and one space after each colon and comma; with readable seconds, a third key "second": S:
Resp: {"hour": 5, "minute": 29}
